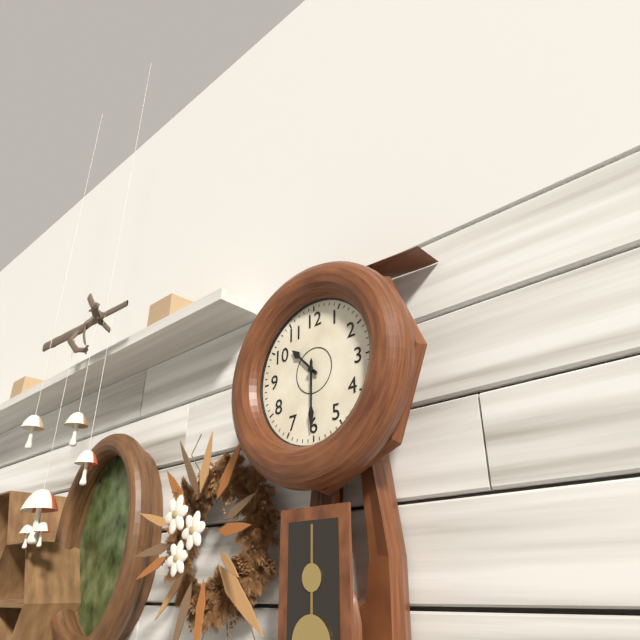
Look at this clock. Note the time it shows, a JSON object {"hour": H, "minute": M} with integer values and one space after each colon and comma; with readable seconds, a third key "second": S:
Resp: {"hour": 10, "minute": 30}
